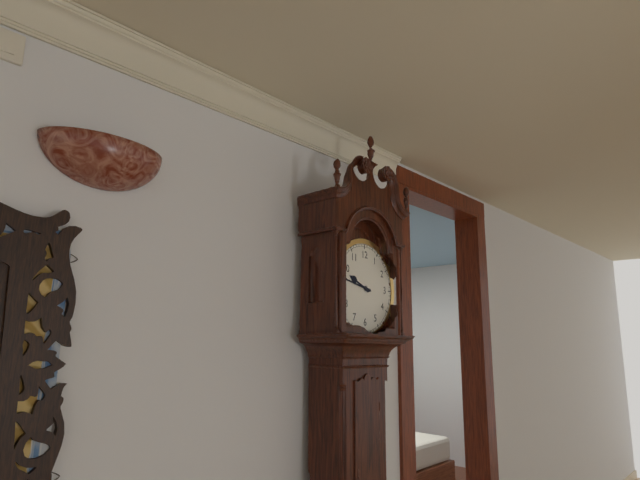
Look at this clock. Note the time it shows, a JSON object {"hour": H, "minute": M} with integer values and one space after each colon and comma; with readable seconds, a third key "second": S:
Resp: {"hour": 9, "minute": 47}
